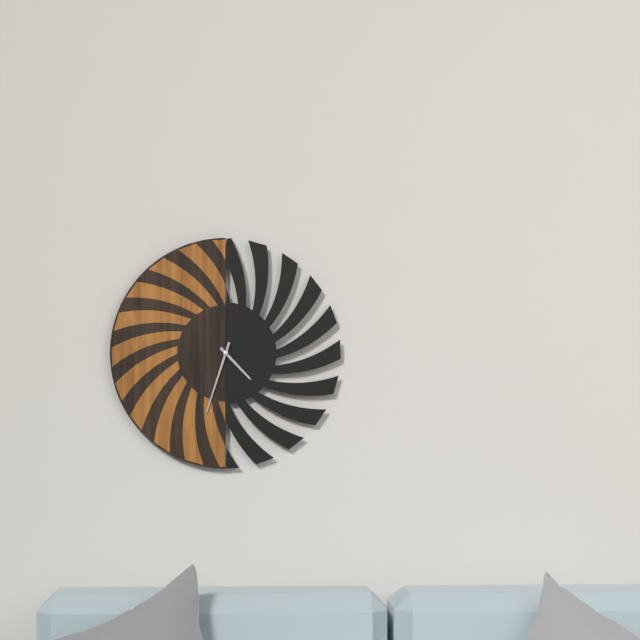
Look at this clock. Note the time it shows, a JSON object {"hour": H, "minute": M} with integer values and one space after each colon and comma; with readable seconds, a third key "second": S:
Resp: {"hour": 4, "minute": 33}
